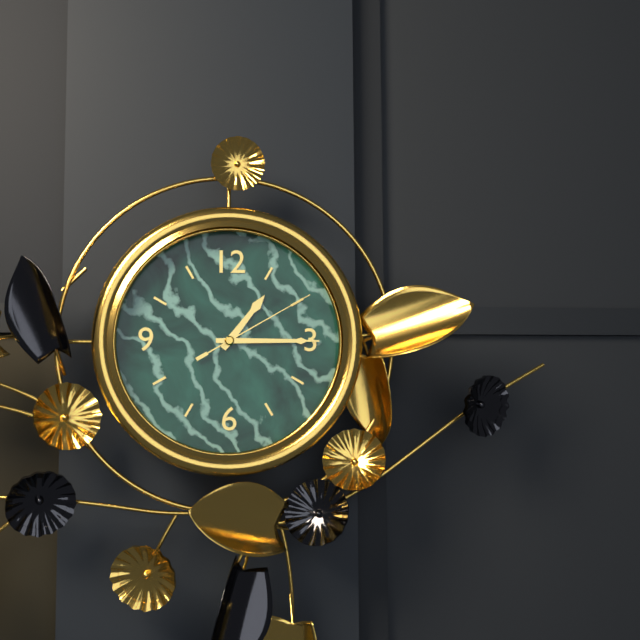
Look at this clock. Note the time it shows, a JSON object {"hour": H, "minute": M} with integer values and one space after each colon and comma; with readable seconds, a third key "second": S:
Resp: {"hour": 1, "minute": 15, "second": 10}
